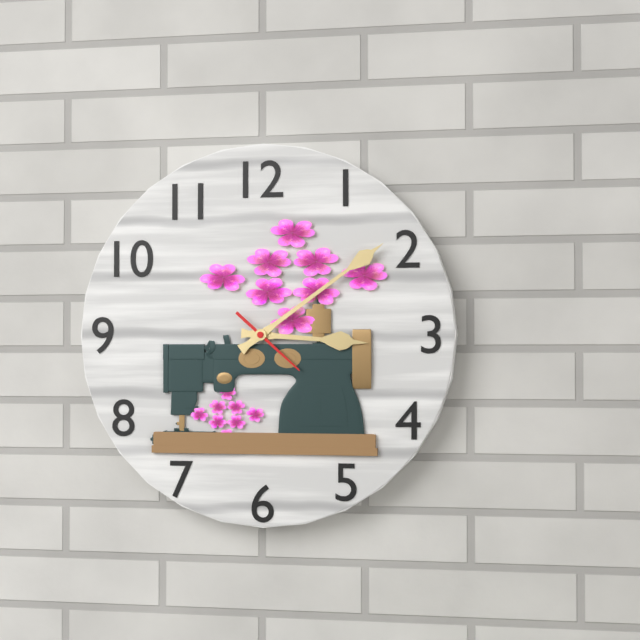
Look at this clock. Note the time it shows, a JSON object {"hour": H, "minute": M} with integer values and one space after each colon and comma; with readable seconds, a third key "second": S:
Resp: {"hour": 3, "minute": 9, "second": 22}
